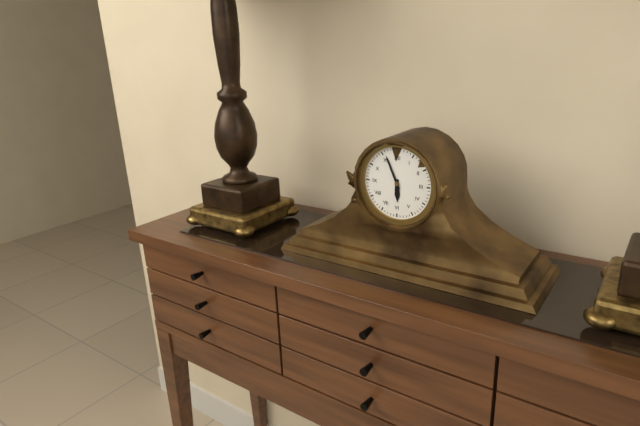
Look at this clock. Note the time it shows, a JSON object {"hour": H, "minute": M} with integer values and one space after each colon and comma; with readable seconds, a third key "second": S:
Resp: {"hour": 5, "minute": 56}
